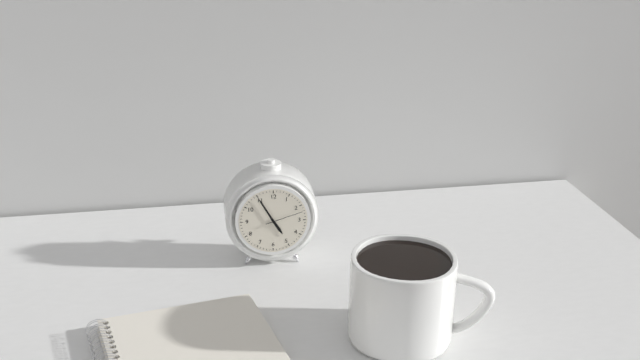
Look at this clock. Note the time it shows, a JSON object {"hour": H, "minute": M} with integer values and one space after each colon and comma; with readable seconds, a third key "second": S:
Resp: {"hour": 4, "minute": 55}
